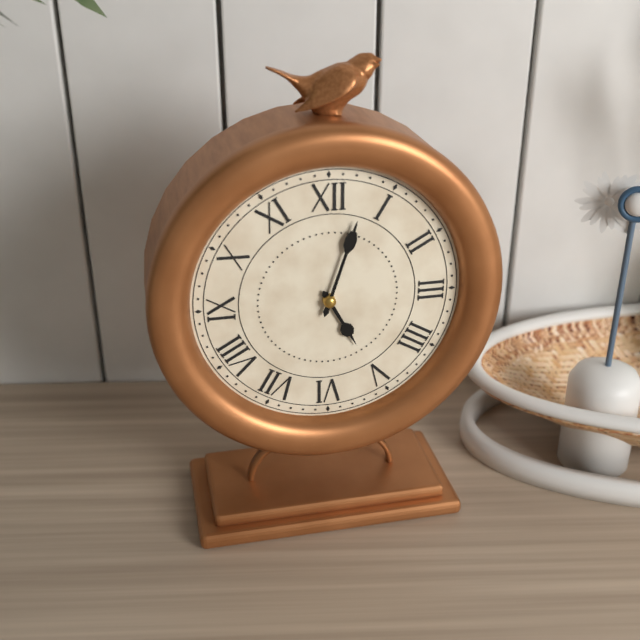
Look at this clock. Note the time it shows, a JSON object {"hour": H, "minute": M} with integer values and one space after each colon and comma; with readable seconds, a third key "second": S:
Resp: {"hour": 5, "minute": 3}
